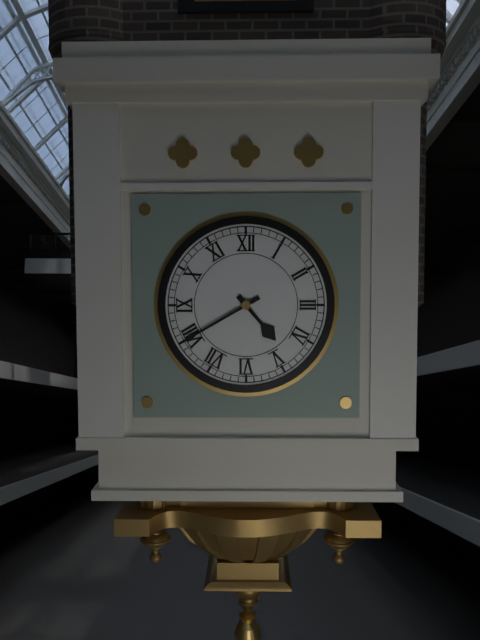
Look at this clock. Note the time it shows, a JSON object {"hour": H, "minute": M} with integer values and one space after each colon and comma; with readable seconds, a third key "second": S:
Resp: {"hour": 4, "minute": 40}
